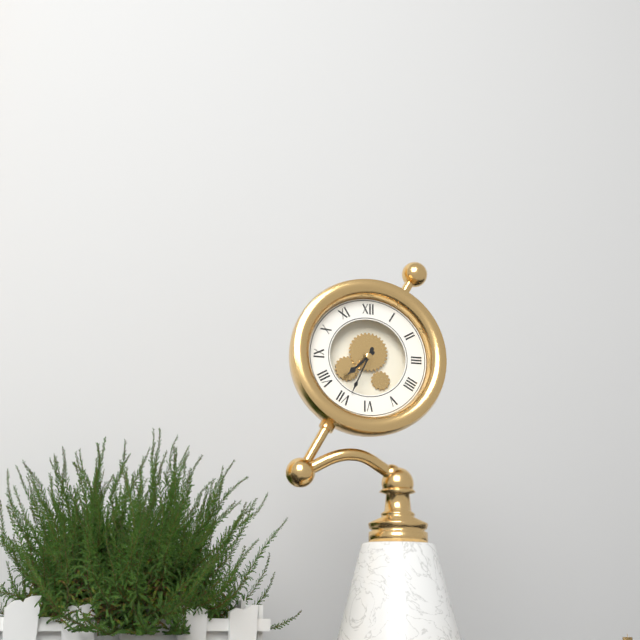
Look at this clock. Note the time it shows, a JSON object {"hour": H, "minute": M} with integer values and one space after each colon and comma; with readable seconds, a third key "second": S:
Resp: {"hour": 7, "minute": 34}
